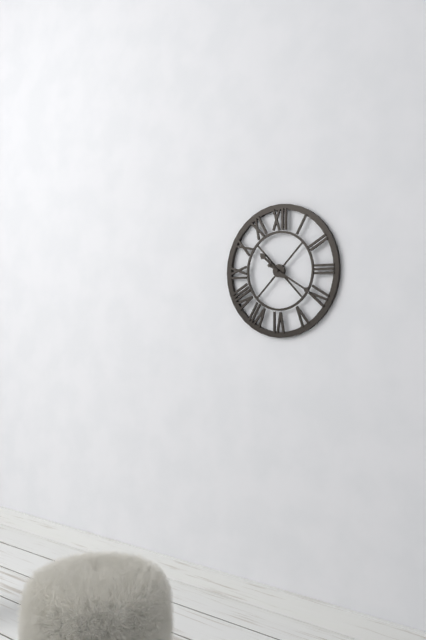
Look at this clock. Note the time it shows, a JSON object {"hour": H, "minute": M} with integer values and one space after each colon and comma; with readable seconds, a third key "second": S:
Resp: {"hour": 10, "minute": 20}
